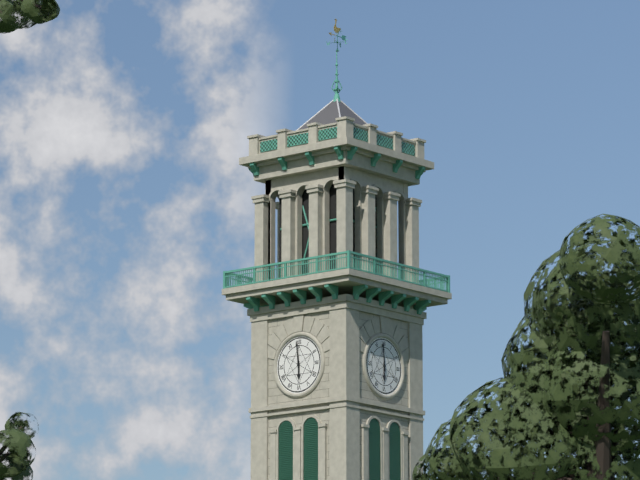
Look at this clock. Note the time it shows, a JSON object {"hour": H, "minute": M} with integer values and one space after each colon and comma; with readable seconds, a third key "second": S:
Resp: {"hour": 5, "minute": 59}
